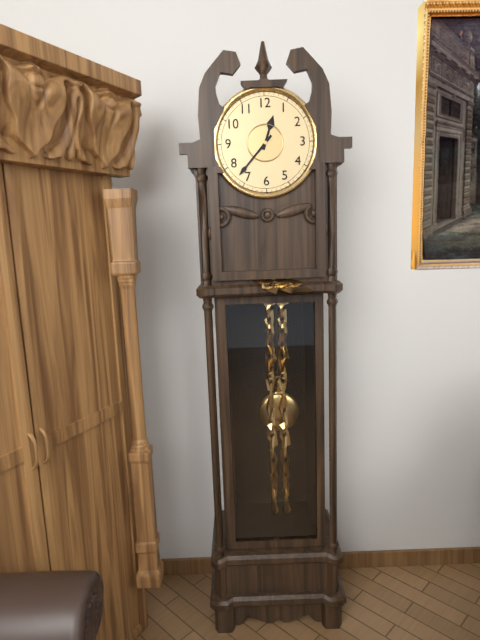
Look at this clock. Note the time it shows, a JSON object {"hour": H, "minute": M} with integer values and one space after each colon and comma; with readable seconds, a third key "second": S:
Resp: {"hour": 12, "minute": 37}
